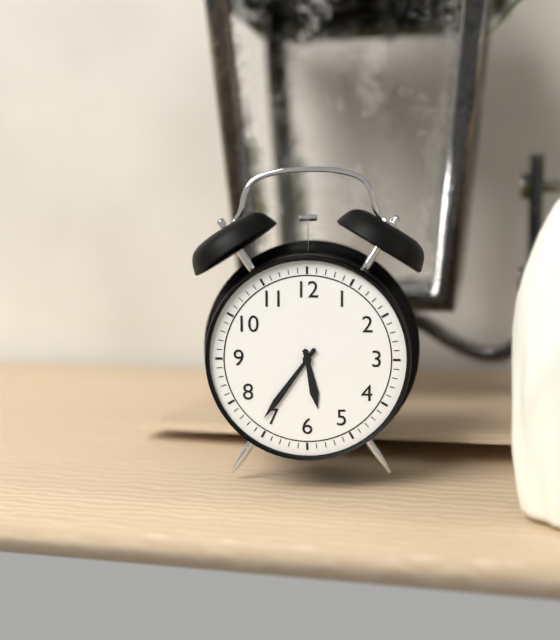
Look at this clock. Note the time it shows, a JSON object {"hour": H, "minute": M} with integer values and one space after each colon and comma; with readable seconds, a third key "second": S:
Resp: {"hour": 5, "minute": 36}
